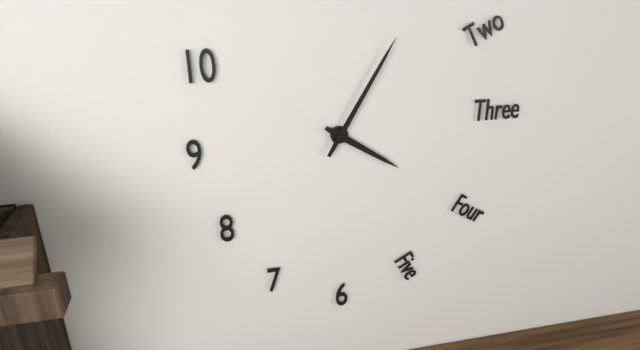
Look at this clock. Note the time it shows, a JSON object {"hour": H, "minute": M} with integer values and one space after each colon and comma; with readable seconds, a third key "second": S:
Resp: {"hour": 4, "minute": 5}
